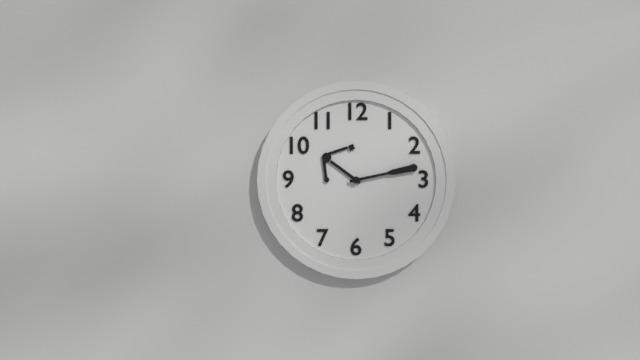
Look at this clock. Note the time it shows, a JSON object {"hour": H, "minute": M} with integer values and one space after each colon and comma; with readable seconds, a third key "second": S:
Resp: {"hour": 10, "minute": 13}
